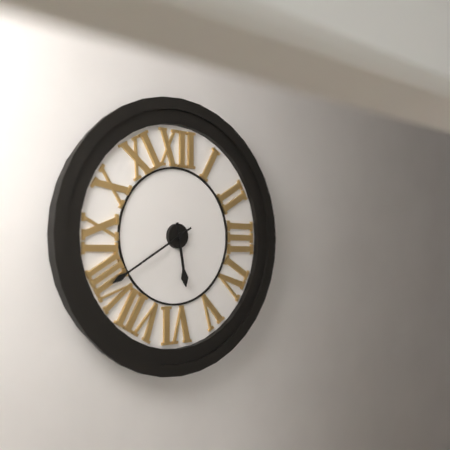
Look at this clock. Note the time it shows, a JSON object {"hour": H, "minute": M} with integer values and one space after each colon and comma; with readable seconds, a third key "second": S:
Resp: {"hour": 5, "minute": 40}
